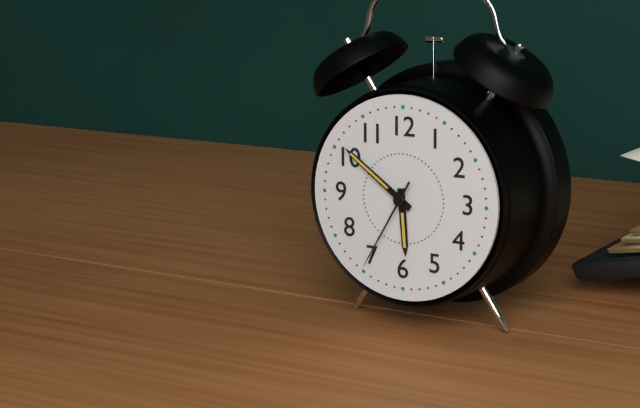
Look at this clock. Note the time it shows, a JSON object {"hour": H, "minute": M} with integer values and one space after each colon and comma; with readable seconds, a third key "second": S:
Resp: {"hour": 5, "minute": 51, "second": 35}
